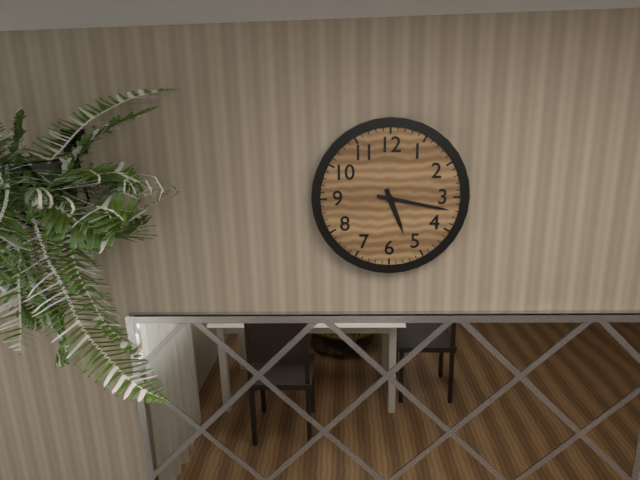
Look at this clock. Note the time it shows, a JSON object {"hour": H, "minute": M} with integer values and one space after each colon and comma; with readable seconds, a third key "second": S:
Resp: {"hour": 5, "minute": 17}
